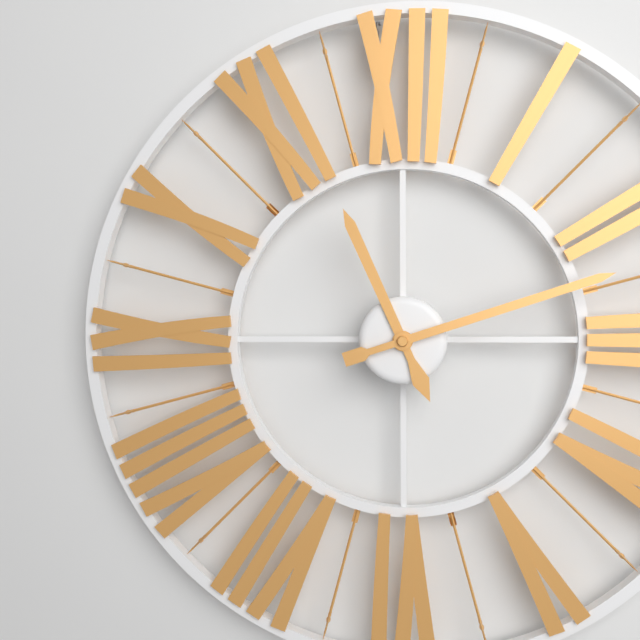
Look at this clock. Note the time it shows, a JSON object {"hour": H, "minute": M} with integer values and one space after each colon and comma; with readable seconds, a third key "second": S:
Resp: {"hour": 11, "minute": 12}
